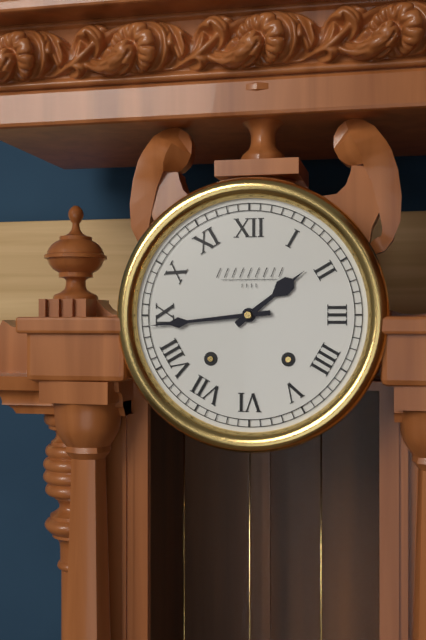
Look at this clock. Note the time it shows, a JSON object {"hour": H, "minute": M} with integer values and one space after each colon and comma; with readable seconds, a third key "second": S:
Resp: {"hour": 1, "minute": 44}
